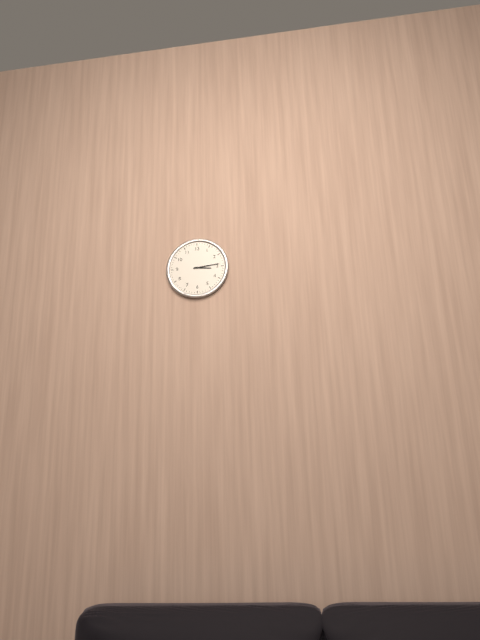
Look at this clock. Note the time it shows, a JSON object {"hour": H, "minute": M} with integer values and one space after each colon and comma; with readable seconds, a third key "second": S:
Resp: {"hour": 3, "minute": 14}
